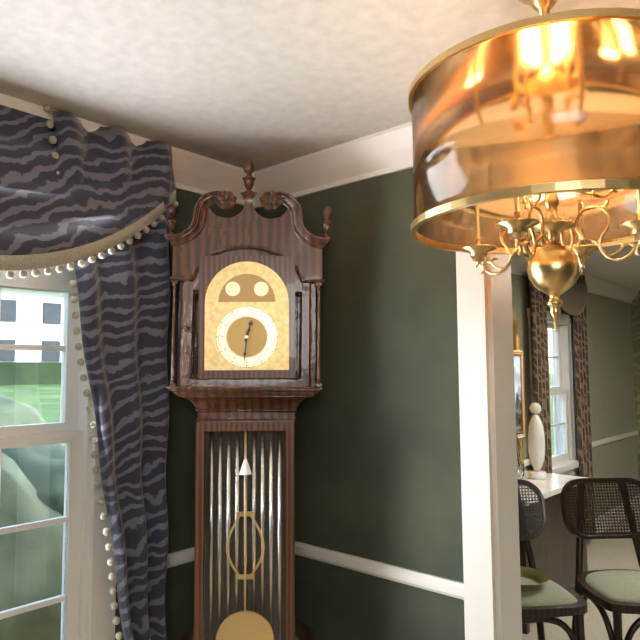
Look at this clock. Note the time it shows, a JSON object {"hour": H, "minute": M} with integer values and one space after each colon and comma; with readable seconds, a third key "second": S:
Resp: {"hour": 12, "minute": 31}
